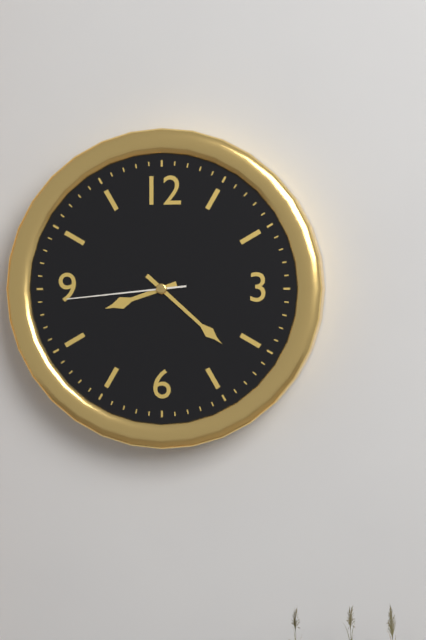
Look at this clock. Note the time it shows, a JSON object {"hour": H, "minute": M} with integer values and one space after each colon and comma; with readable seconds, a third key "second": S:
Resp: {"hour": 8, "minute": 22, "second": 44}
